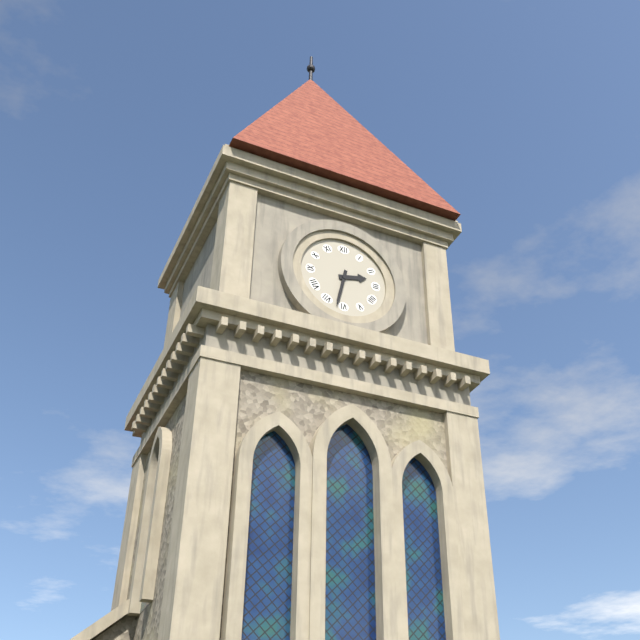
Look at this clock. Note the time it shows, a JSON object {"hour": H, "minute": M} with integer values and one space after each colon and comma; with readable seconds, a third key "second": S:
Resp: {"hour": 2, "minute": 32}
